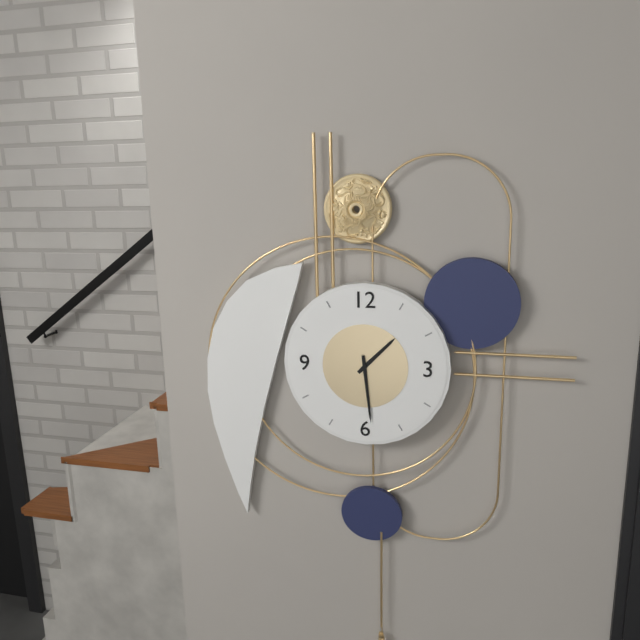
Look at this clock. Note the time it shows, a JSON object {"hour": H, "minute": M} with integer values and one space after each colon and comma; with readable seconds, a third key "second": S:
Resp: {"hour": 1, "minute": 29}
